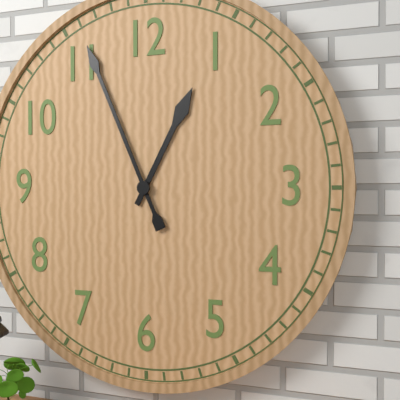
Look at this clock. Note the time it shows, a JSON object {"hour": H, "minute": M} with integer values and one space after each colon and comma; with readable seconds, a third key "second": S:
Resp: {"hour": 12, "minute": 56}
